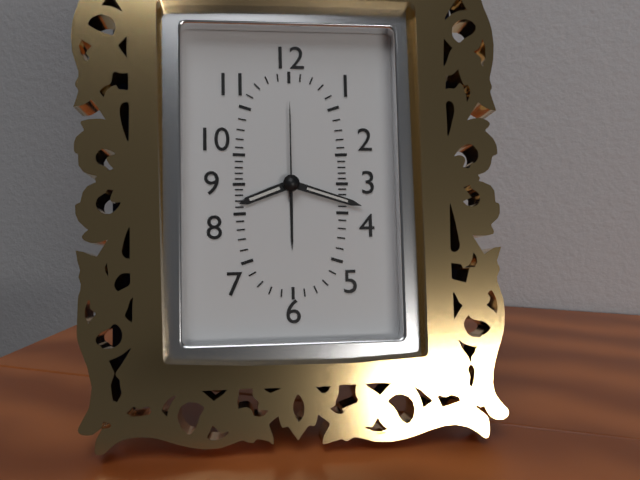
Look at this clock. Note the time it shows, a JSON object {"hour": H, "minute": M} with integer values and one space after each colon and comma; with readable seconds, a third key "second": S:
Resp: {"hour": 8, "minute": 18, "second": 0}
